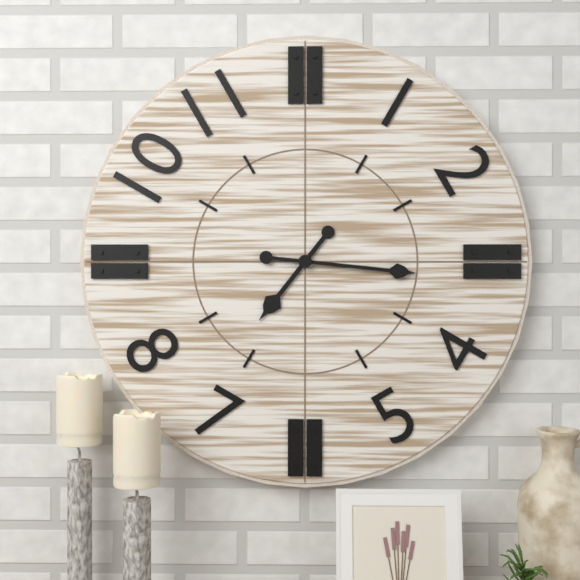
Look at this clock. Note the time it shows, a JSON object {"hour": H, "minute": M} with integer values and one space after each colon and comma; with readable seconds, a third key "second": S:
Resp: {"hour": 7, "minute": 16}
